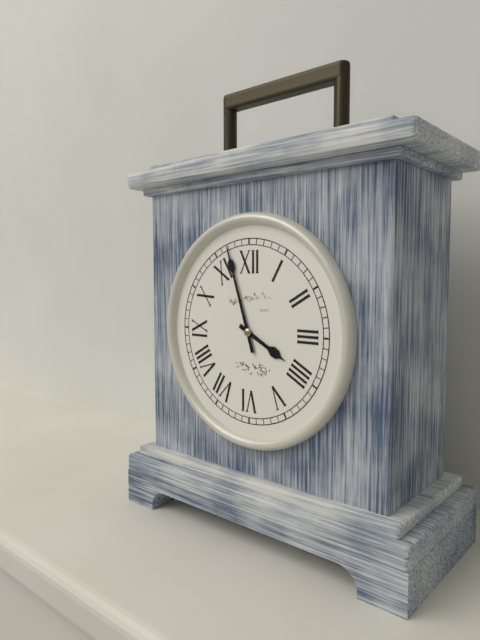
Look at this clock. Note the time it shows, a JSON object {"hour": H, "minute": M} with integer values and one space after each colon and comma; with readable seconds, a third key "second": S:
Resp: {"hour": 3, "minute": 57}
